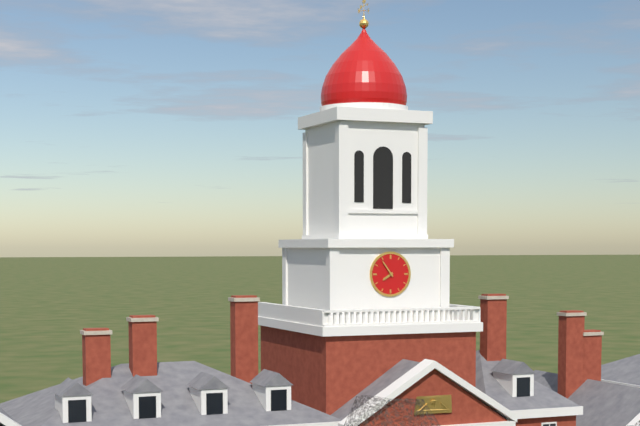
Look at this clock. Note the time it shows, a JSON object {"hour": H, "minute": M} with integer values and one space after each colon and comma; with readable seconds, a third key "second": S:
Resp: {"hour": 7, "minute": 54}
